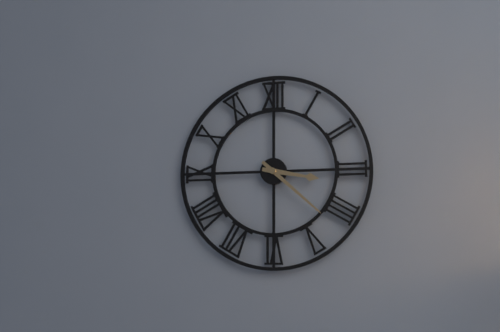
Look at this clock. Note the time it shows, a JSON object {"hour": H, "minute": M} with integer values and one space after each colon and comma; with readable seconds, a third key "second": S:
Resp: {"hour": 3, "minute": 22}
